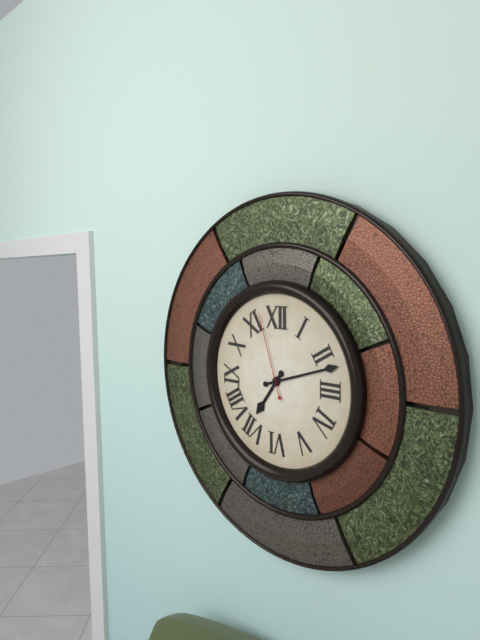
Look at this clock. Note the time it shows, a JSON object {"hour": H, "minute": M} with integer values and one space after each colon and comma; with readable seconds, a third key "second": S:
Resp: {"hour": 7, "minute": 12, "second": 57}
